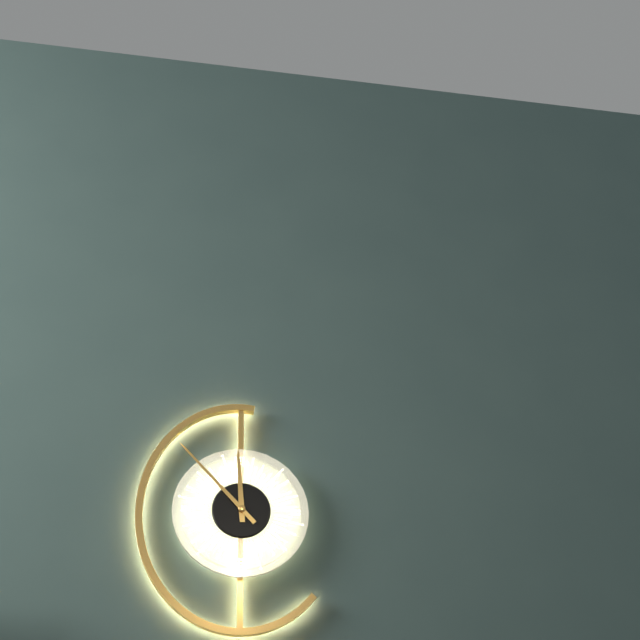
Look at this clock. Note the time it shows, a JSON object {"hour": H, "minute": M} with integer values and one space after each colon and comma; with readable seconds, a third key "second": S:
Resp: {"hour": 11, "minute": 53}
